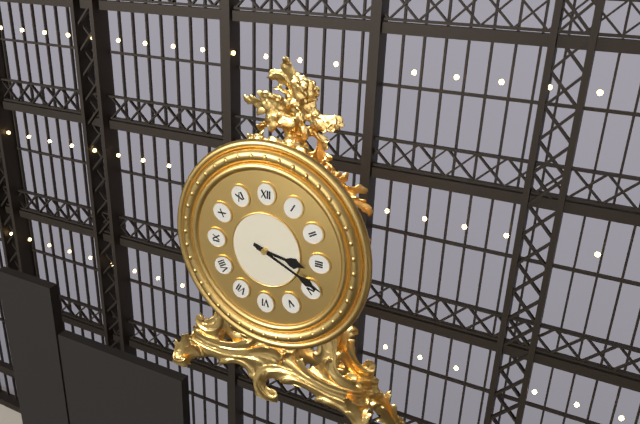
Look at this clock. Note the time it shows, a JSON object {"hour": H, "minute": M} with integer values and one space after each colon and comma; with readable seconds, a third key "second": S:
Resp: {"hour": 3, "minute": 19}
